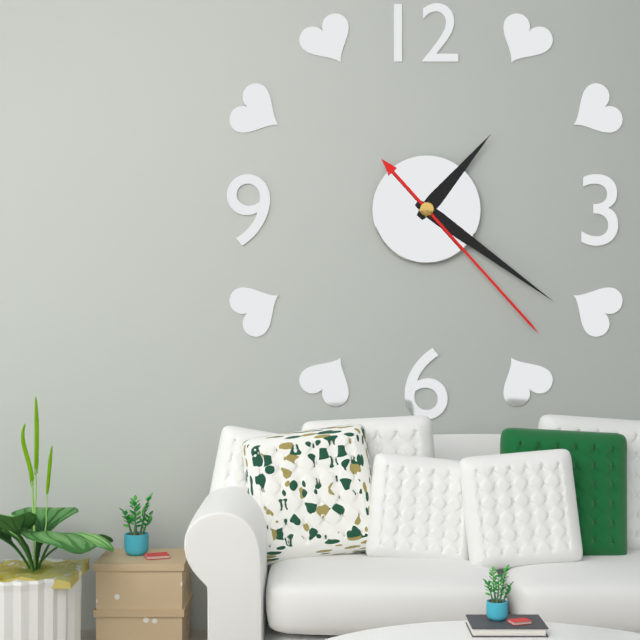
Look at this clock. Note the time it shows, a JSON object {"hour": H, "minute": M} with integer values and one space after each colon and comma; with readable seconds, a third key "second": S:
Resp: {"hour": 1, "minute": 21, "second": 23}
